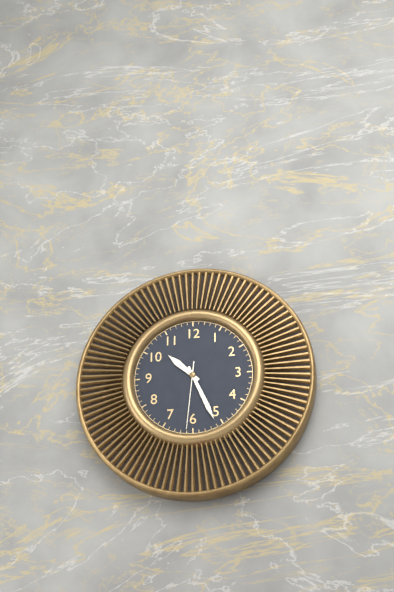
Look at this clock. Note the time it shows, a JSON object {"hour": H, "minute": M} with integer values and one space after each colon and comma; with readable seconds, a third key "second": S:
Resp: {"hour": 10, "minute": 26, "second": 31}
